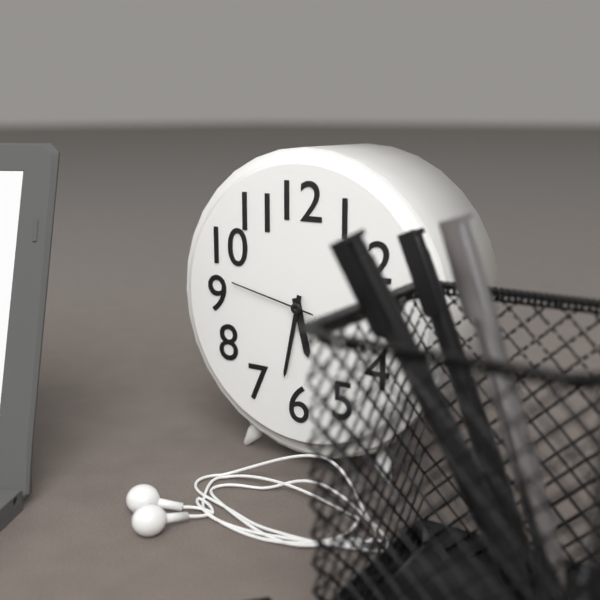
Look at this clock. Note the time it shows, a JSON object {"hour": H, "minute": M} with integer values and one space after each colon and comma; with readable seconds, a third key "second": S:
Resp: {"hour": 5, "minute": 32, "second": 47}
